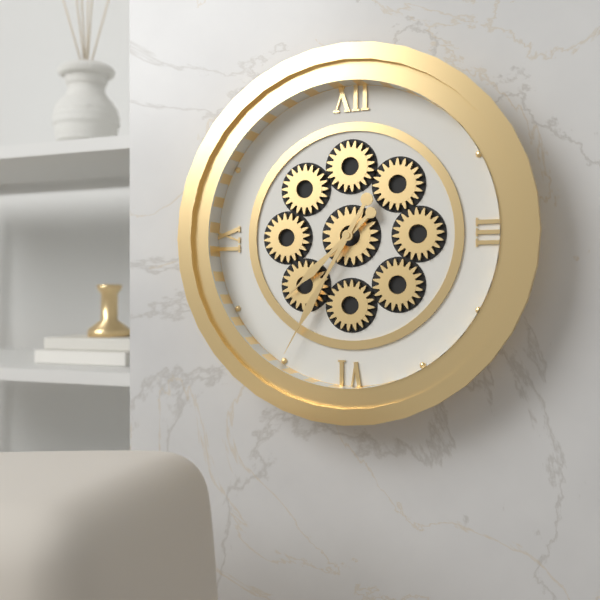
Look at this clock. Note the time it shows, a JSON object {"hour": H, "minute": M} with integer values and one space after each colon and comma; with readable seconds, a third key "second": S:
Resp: {"hour": 7, "minute": 35}
